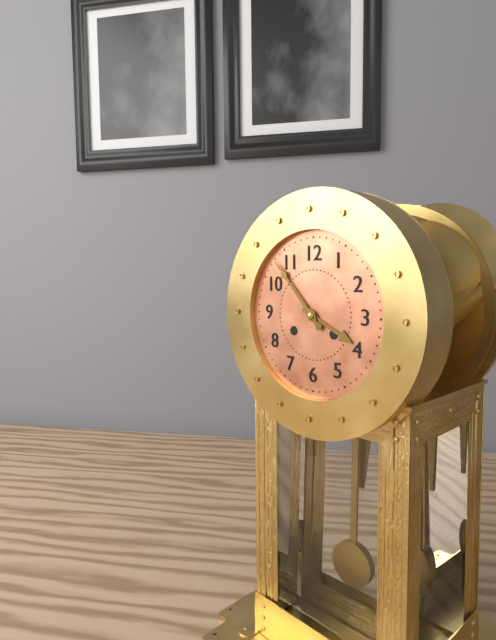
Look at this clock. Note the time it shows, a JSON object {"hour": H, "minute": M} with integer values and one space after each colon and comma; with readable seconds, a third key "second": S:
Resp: {"hour": 3, "minute": 53}
